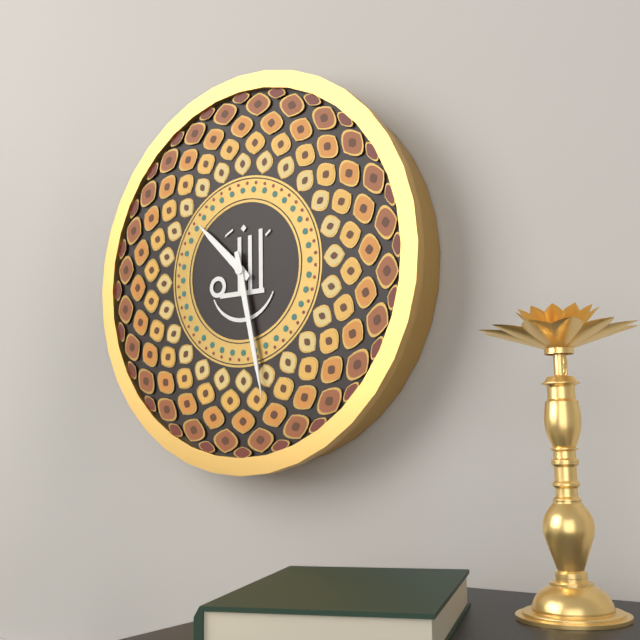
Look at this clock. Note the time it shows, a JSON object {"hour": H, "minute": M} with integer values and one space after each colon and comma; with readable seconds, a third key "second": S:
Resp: {"hour": 10, "minute": 28}
